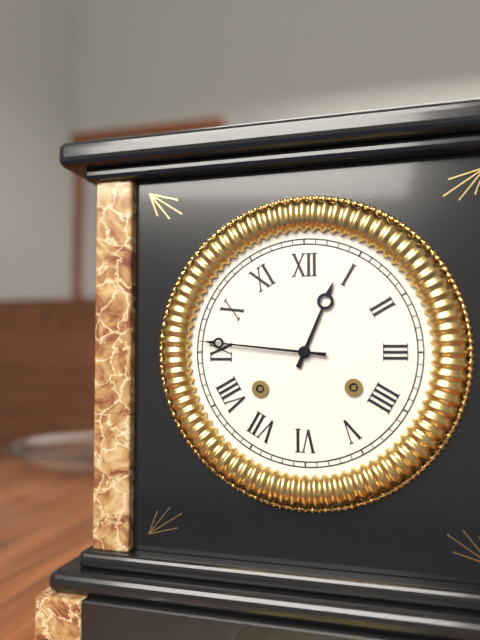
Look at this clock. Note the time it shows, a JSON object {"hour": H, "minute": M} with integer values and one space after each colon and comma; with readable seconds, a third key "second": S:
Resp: {"hour": 12, "minute": 46}
